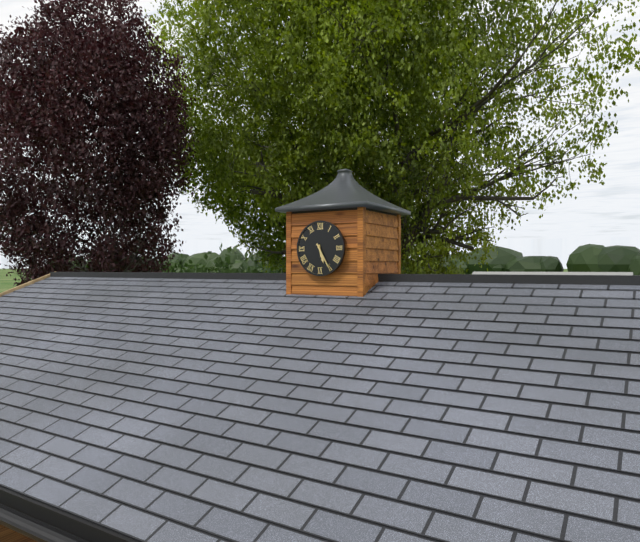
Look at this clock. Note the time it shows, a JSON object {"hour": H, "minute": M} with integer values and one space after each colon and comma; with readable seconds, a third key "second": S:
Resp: {"hour": 5, "minute": 25}
